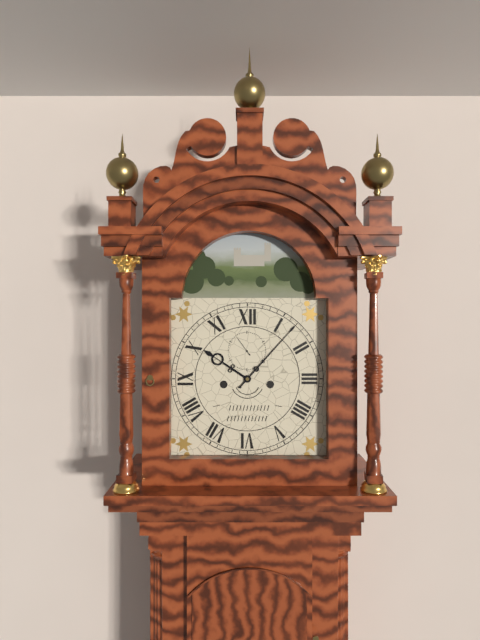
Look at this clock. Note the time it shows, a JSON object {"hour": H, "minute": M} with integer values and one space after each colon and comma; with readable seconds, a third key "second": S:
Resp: {"hour": 10, "minute": 7}
